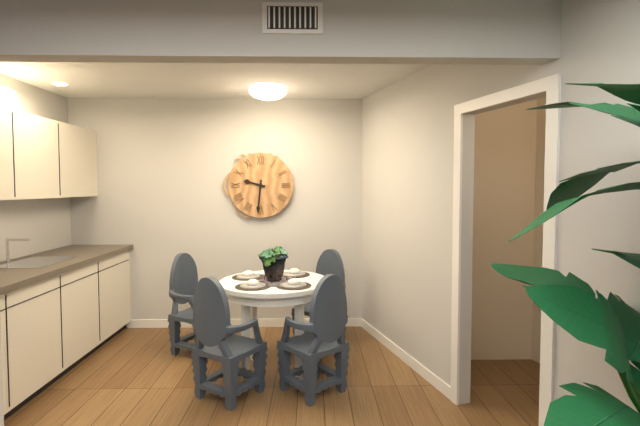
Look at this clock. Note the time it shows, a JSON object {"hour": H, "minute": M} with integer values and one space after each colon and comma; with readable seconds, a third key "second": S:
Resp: {"hour": 9, "minute": 31}
